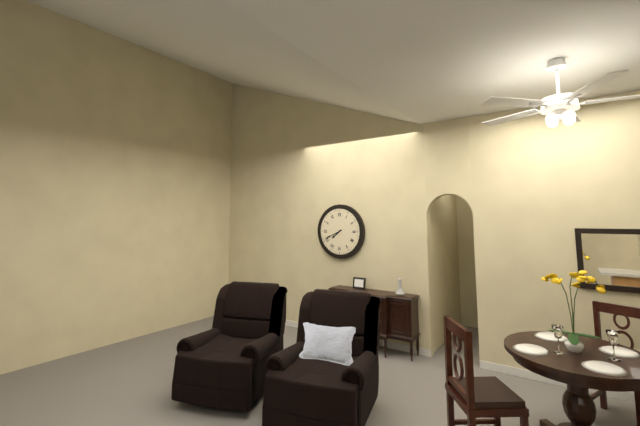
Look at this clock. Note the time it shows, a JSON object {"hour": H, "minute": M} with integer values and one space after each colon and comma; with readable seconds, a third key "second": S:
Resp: {"hour": 7, "minute": 41}
